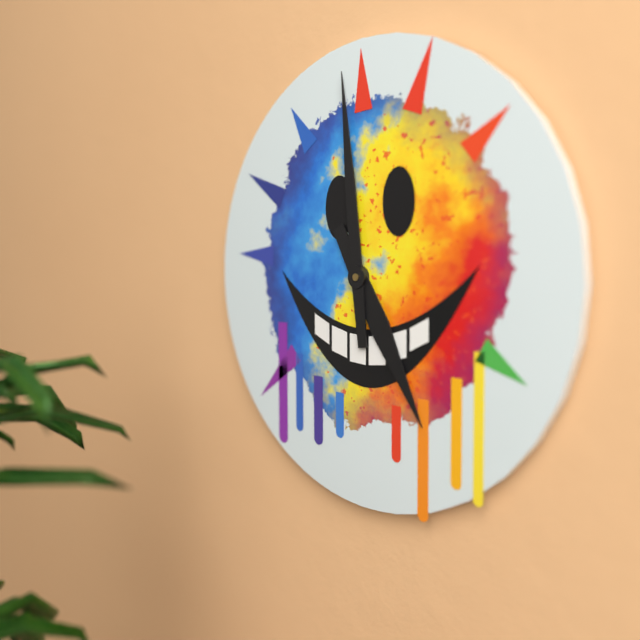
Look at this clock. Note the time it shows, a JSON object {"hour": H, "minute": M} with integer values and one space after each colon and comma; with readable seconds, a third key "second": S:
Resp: {"hour": 4, "minute": 59}
